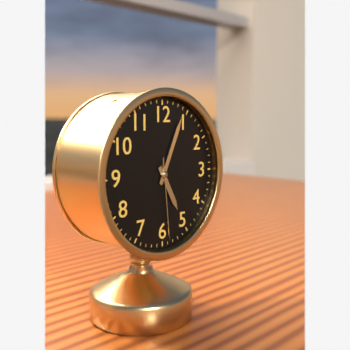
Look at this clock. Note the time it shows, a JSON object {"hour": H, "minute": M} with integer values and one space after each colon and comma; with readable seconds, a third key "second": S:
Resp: {"hour": 5, "minute": 4, "second": 29}
